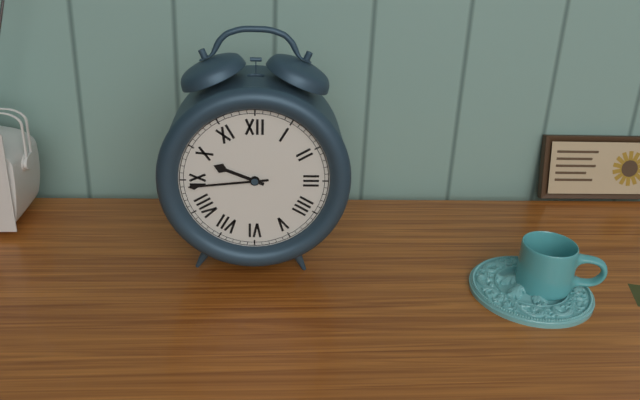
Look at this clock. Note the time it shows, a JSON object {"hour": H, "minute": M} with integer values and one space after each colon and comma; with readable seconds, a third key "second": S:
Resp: {"hour": 9, "minute": 44}
